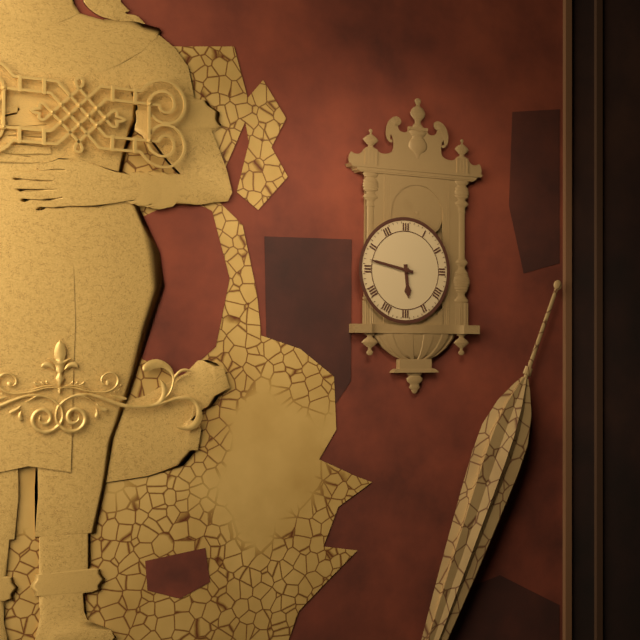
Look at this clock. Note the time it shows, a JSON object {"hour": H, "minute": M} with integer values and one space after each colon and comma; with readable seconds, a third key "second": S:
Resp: {"hour": 5, "minute": 47}
